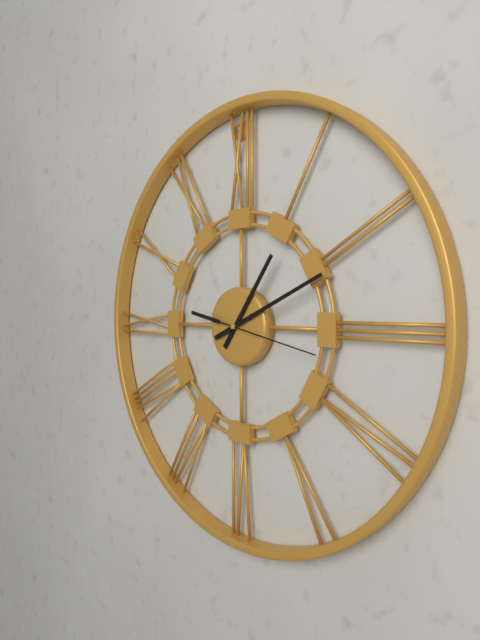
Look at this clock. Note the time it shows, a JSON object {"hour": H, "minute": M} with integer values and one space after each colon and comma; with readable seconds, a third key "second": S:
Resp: {"hour": 1, "minute": 11, "second": 17}
